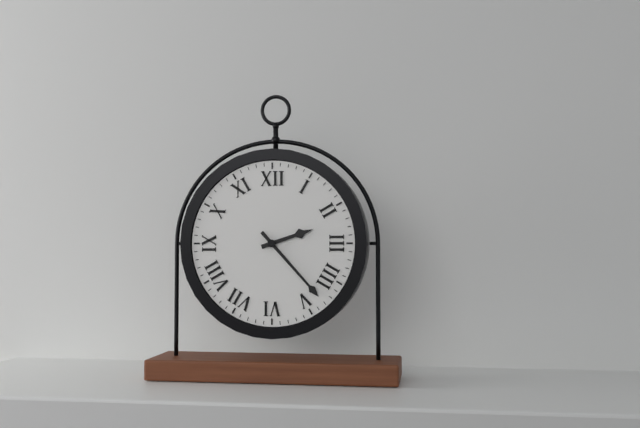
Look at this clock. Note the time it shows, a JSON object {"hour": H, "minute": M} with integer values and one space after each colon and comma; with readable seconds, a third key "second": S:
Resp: {"hour": 2, "minute": 23}
